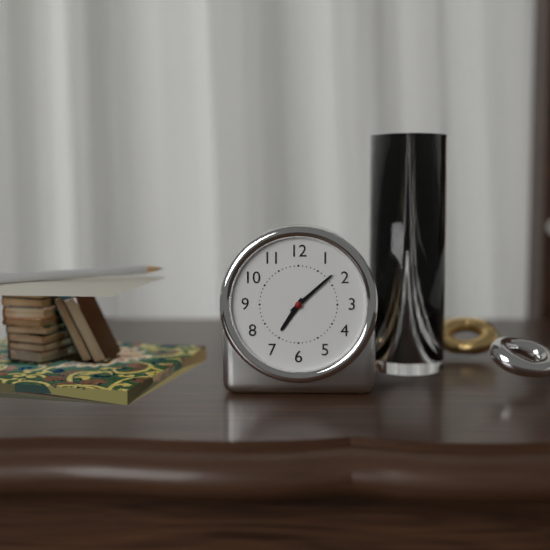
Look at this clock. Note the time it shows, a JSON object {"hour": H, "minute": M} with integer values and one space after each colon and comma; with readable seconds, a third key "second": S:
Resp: {"hour": 7, "minute": 8}
